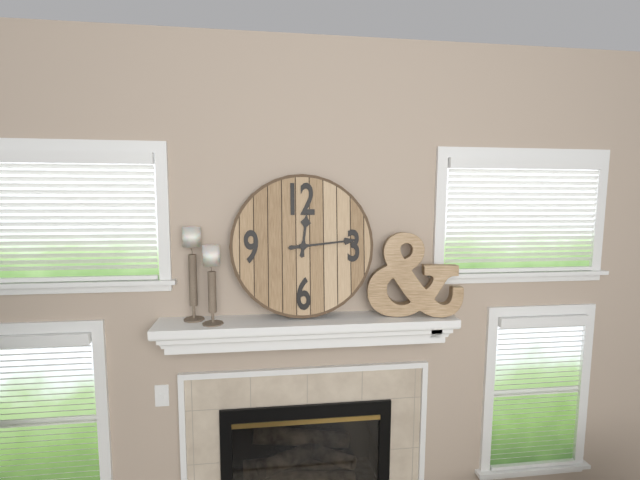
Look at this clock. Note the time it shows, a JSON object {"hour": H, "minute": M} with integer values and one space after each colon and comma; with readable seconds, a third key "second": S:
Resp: {"hour": 12, "minute": 14}
